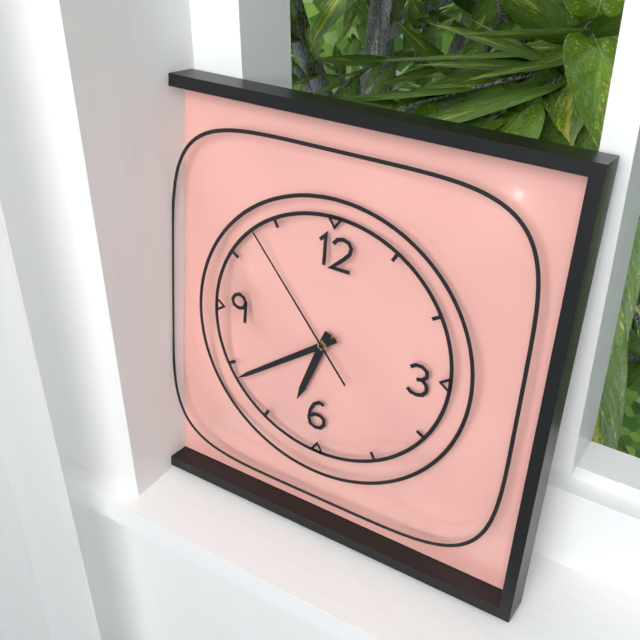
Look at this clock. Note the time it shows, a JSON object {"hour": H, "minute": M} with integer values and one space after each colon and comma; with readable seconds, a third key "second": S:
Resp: {"hour": 6, "minute": 39, "second": 53}
